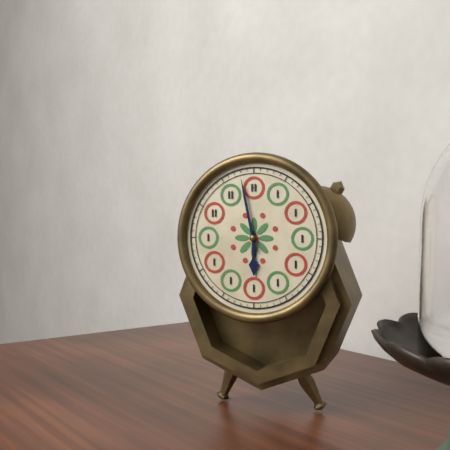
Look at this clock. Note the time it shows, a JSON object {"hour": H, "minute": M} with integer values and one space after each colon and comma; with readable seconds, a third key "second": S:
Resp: {"hour": 5, "minute": 58}
